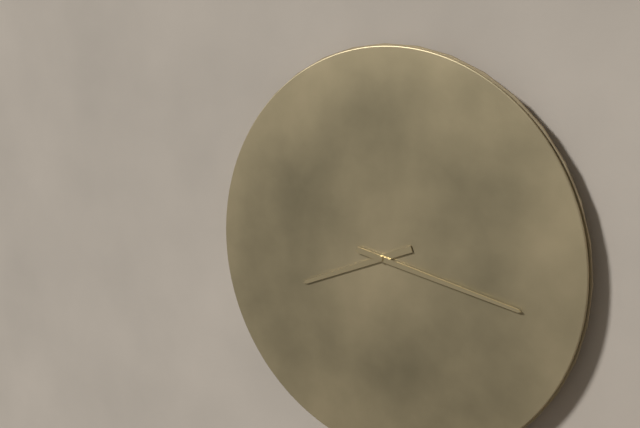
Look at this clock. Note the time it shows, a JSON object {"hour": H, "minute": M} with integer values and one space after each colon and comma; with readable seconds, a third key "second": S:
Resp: {"hour": 8, "minute": 17}
